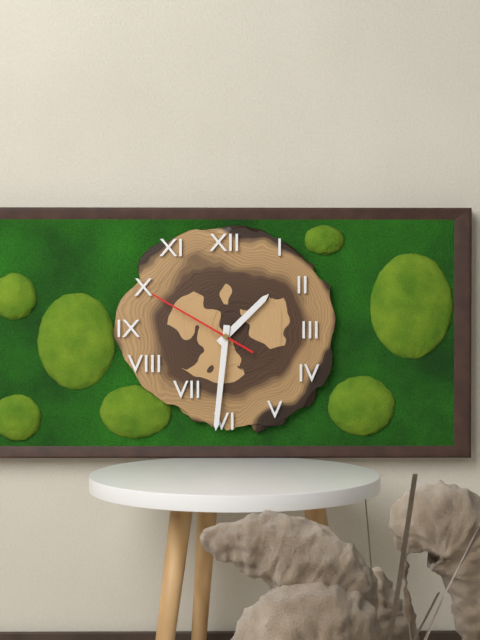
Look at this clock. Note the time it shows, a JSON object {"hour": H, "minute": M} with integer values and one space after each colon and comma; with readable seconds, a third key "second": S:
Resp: {"hour": 1, "minute": 31, "second": 50}
